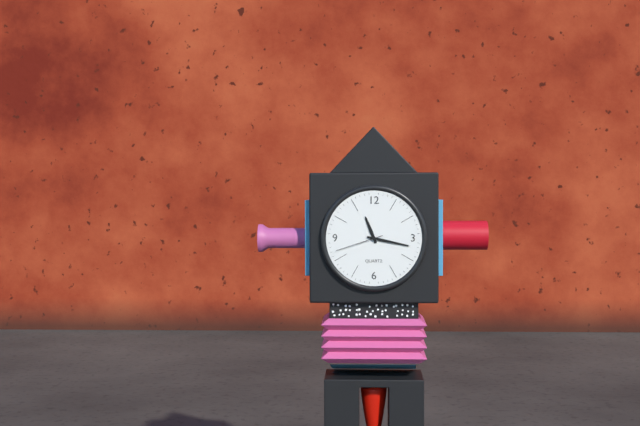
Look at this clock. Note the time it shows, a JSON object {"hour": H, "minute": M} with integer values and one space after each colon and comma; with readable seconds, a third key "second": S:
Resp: {"hour": 11, "minute": 17, "second": 42}
